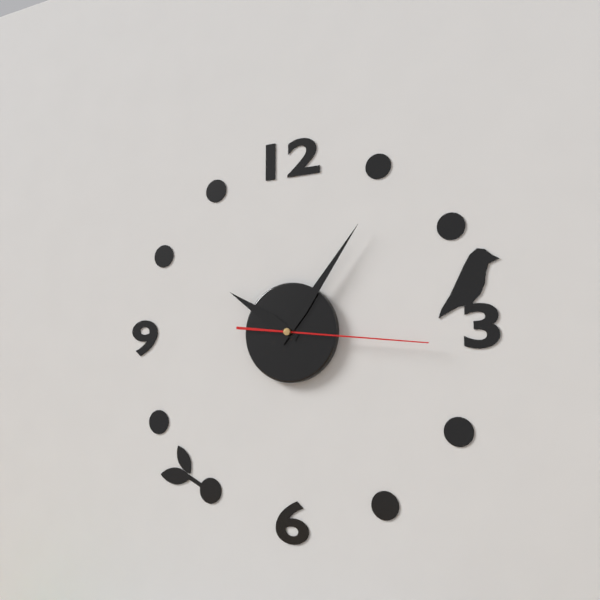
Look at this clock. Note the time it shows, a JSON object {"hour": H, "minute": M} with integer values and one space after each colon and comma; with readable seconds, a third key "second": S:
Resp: {"hour": 10, "minute": 6, "second": 16}
